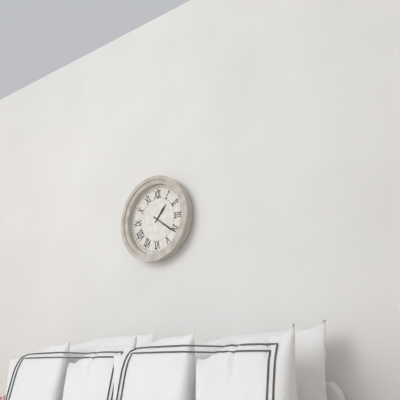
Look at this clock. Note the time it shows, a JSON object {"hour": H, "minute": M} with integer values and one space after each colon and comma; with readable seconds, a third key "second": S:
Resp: {"hour": 1, "minute": 21}
